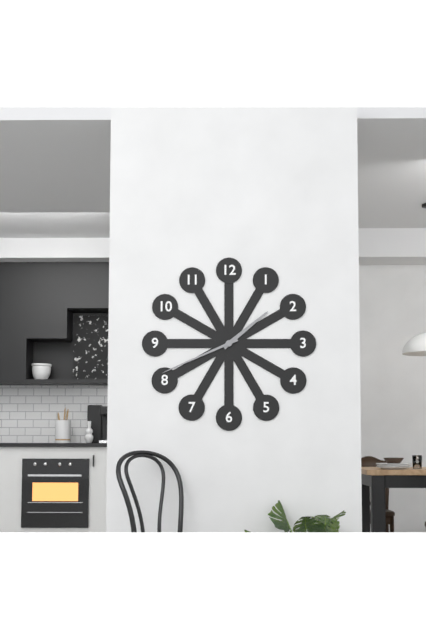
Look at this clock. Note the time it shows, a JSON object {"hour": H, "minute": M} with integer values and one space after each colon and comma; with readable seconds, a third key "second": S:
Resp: {"hour": 1, "minute": 41}
